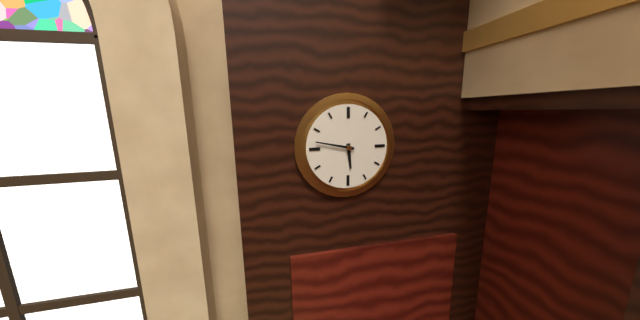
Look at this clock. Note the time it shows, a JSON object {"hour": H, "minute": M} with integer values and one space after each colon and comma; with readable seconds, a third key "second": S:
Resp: {"hour": 5, "minute": 47}
